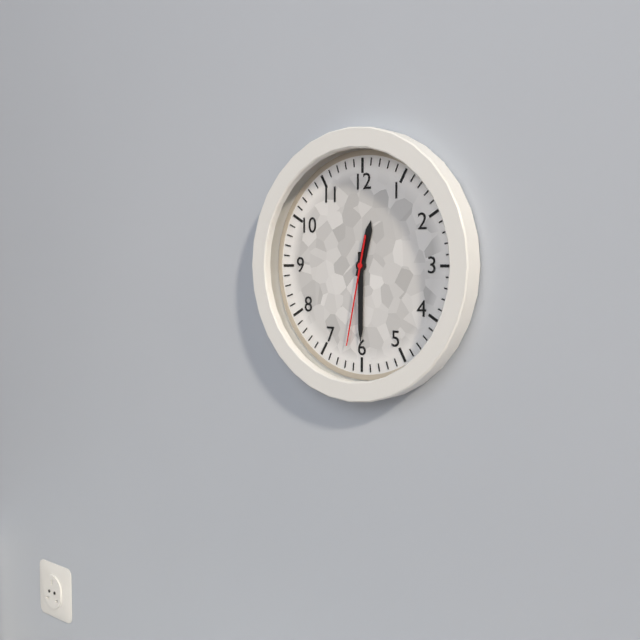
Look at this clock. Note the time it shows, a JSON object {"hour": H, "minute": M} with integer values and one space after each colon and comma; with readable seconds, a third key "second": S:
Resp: {"hour": 12, "minute": 30, "second": 32}
